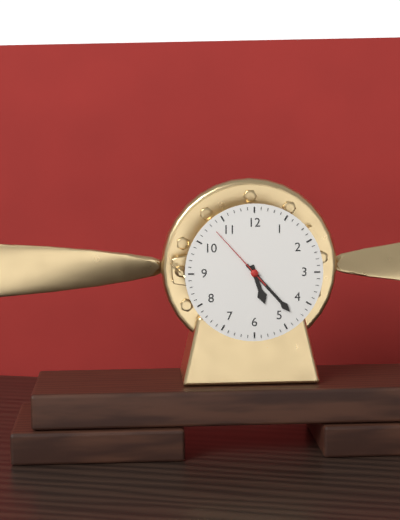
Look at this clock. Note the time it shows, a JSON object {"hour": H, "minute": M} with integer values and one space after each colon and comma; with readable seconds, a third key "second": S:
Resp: {"hour": 5, "minute": 23, "second": 53}
